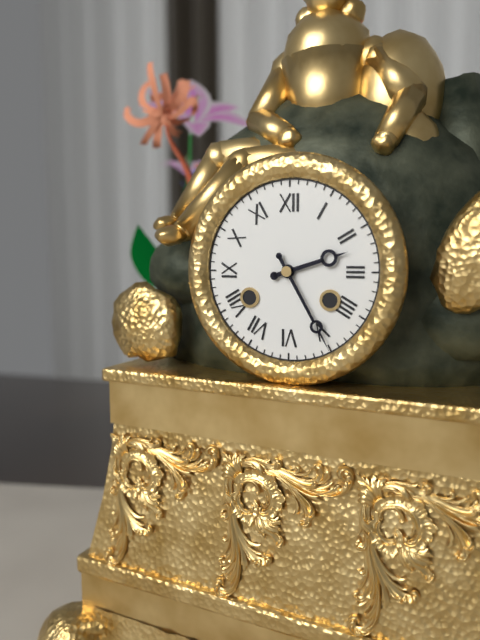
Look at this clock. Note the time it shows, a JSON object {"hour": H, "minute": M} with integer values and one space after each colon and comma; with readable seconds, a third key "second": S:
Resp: {"hour": 2, "minute": 25}
